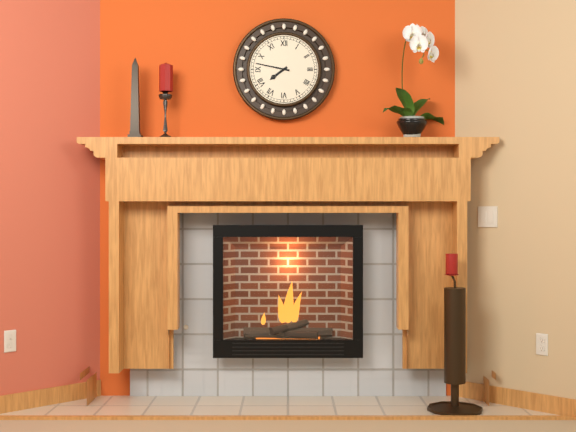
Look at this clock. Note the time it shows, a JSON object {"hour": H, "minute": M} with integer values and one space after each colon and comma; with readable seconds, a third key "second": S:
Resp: {"hour": 7, "minute": 47}
